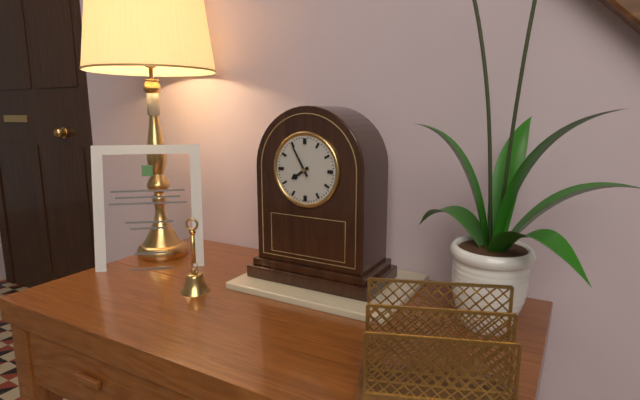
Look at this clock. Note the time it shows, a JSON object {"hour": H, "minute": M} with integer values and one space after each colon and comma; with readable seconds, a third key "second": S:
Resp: {"hour": 7, "minute": 55}
